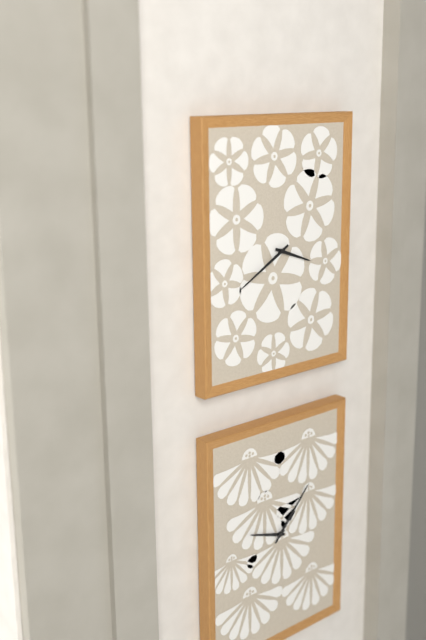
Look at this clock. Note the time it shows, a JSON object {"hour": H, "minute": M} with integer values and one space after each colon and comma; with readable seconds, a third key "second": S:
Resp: {"hour": 3, "minute": 40}
